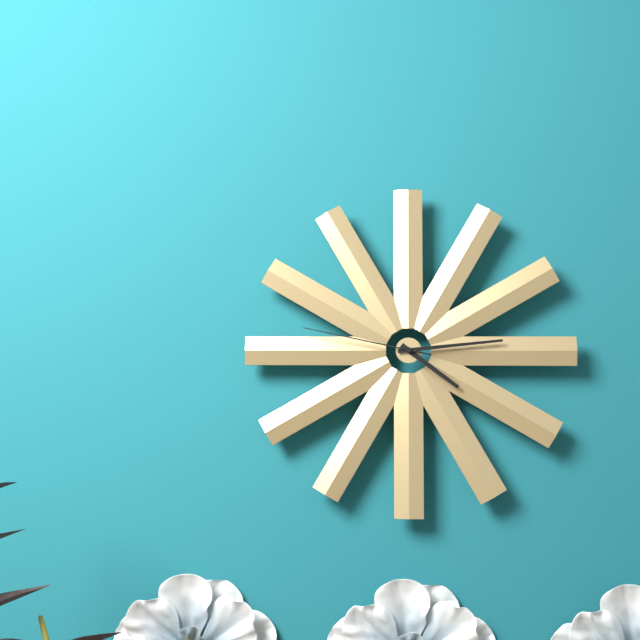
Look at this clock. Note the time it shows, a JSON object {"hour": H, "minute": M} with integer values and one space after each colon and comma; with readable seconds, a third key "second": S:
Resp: {"hour": 4, "minute": 14, "second": 47}
